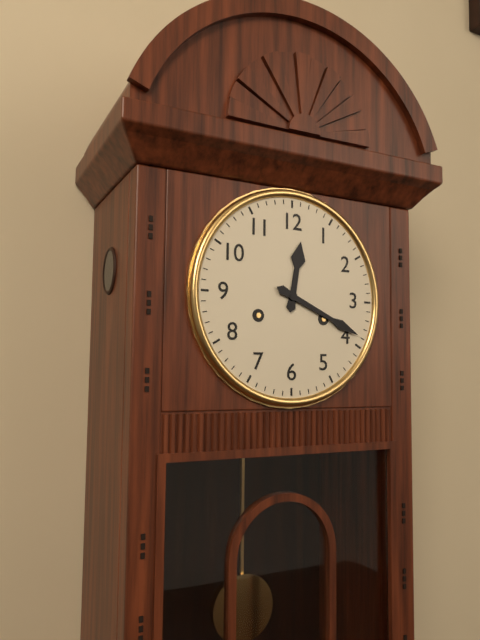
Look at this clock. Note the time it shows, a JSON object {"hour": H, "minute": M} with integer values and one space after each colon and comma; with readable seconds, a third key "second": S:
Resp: {"hour": 12, "minute": 19}
